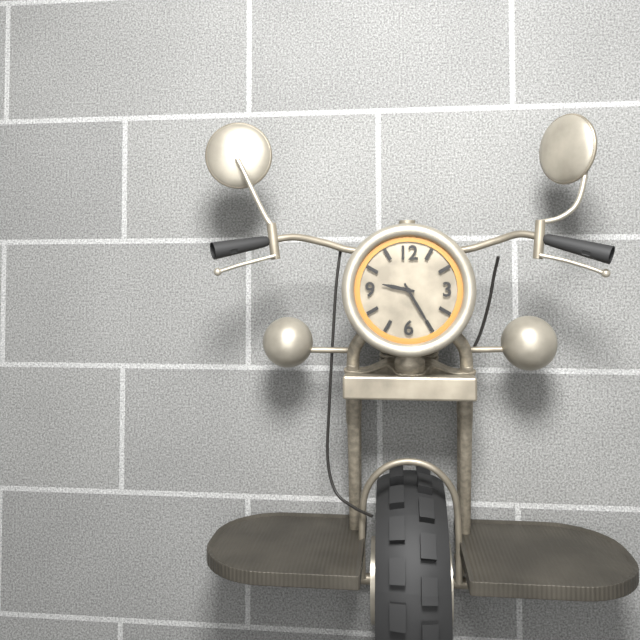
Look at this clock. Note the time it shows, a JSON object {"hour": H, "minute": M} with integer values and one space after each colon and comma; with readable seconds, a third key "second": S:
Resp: {"hour": 9, "minute": 25}
